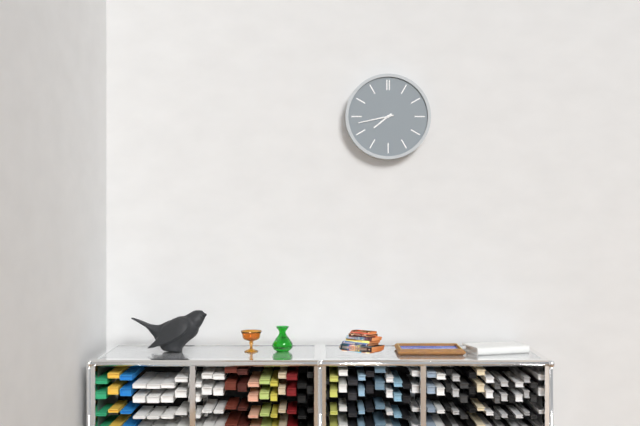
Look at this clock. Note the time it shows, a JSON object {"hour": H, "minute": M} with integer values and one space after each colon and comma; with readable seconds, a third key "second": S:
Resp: {"hour": 7, "minute": 43}
